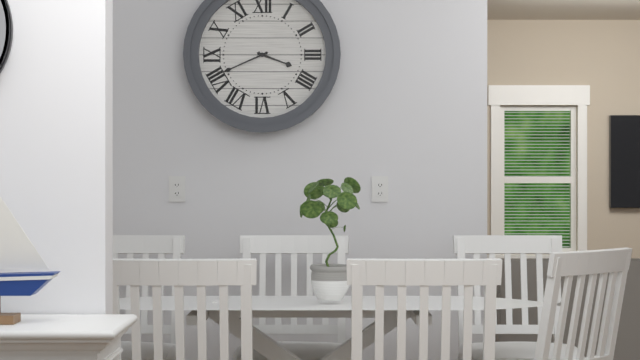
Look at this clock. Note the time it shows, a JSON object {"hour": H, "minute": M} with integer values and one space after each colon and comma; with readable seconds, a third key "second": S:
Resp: {"hour": 3, "minute": 41}
